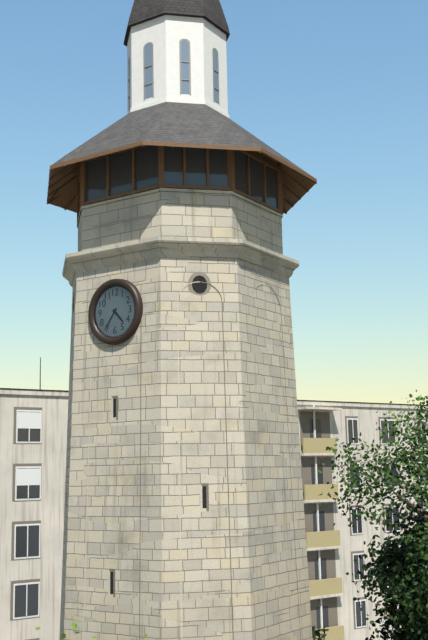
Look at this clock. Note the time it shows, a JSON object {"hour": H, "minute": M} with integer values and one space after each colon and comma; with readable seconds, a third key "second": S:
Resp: {"hour": 4, "minute": 36}
